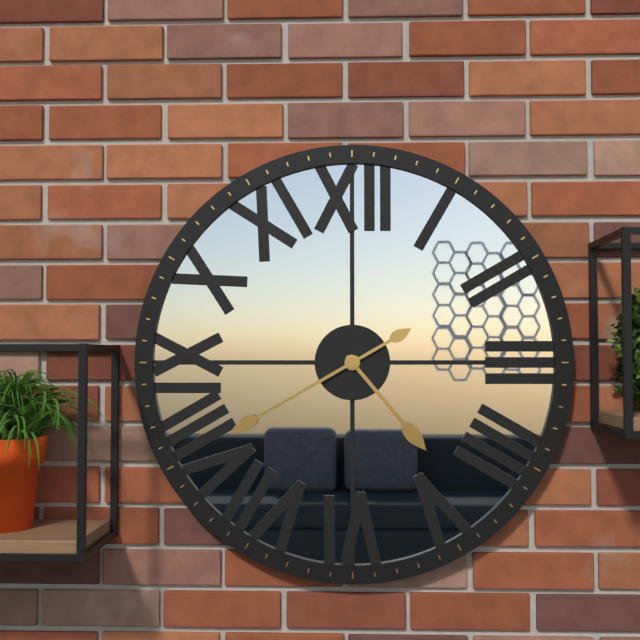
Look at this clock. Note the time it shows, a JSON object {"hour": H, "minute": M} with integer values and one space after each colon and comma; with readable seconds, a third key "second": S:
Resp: {"hour": 4, "minute": 40}
